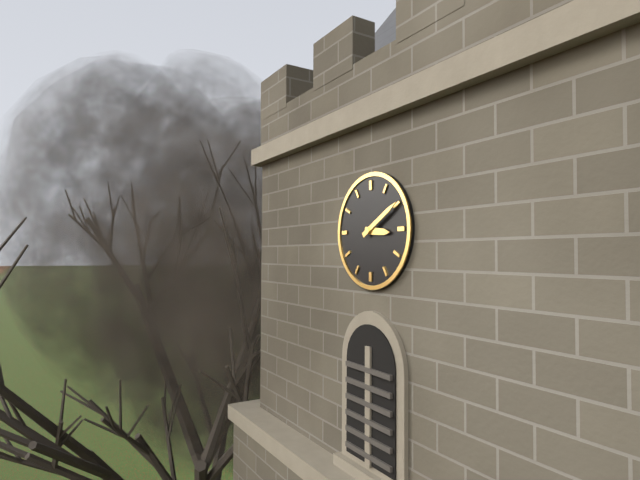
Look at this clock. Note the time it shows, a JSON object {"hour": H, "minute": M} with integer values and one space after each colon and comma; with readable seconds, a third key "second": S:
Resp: {"hour": 3, "minute": 10}
